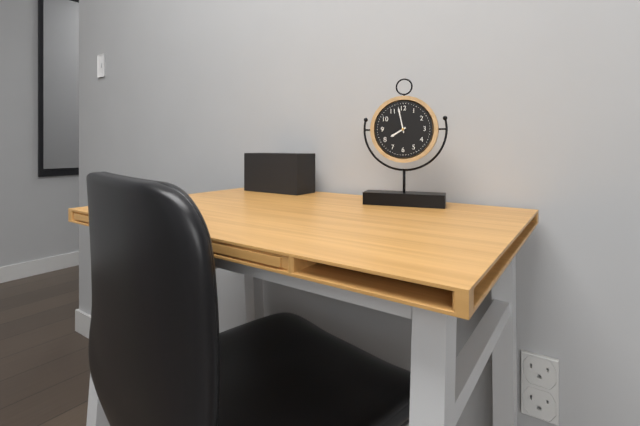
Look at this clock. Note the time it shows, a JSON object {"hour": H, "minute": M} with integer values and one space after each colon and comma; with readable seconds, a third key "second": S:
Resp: {"hour": 7, "minute": 58}
